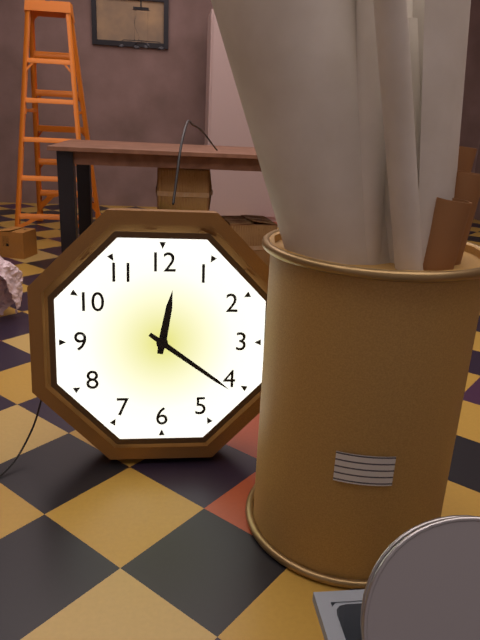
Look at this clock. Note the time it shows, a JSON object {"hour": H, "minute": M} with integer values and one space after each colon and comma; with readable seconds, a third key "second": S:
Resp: {"hour": 12, "minute": 21}
